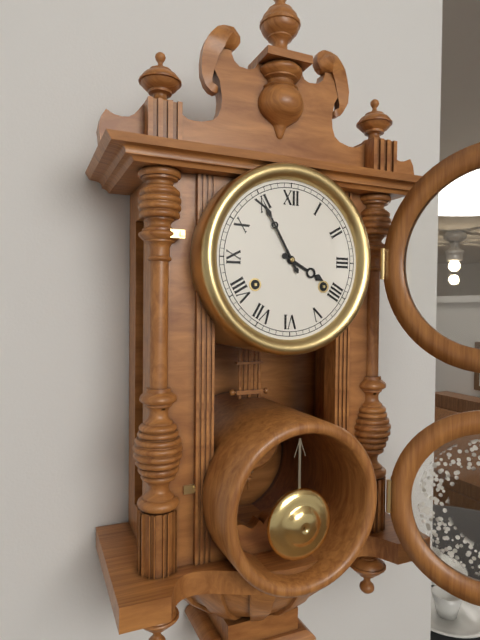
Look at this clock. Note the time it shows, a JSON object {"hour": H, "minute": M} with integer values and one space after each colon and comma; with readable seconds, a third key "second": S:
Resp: {"hour": 3, "minute": 55}
